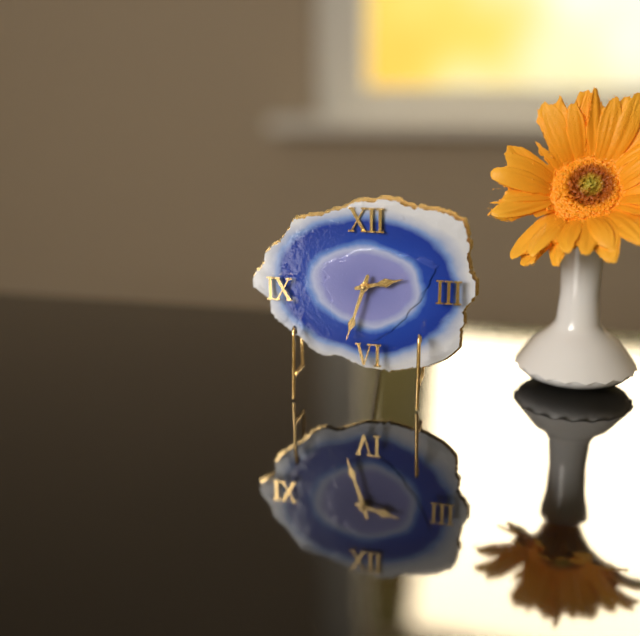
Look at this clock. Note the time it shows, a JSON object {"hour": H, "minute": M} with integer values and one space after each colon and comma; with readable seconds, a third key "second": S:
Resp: {"hour": 2, "minute": 33}
